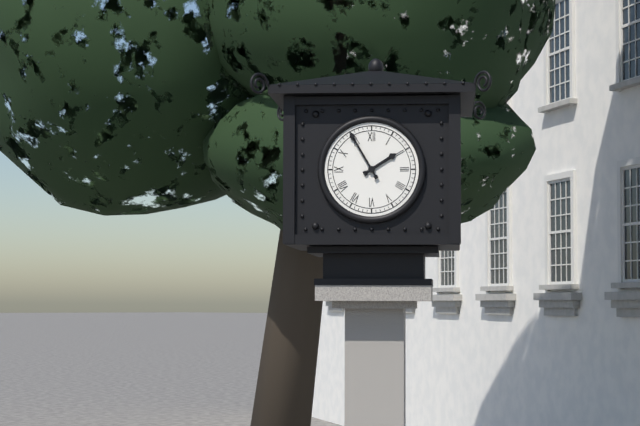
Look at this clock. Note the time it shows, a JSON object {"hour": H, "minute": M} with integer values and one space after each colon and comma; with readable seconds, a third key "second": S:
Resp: {"hour": 1, "minute": 55}
